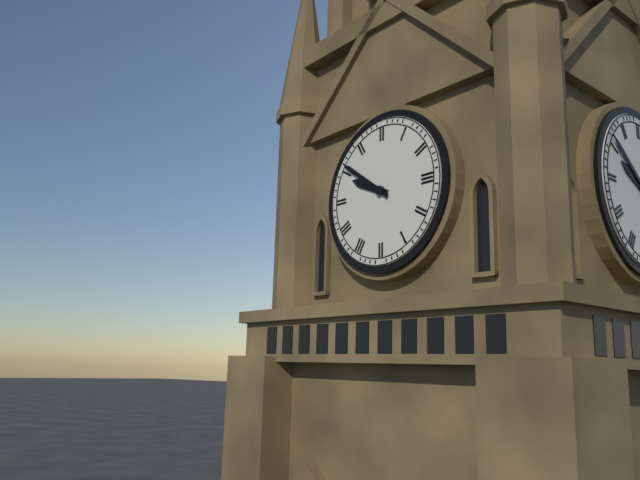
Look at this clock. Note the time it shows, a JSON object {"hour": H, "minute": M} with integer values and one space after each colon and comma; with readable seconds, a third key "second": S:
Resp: {"hour": 9, "minute": 51}
